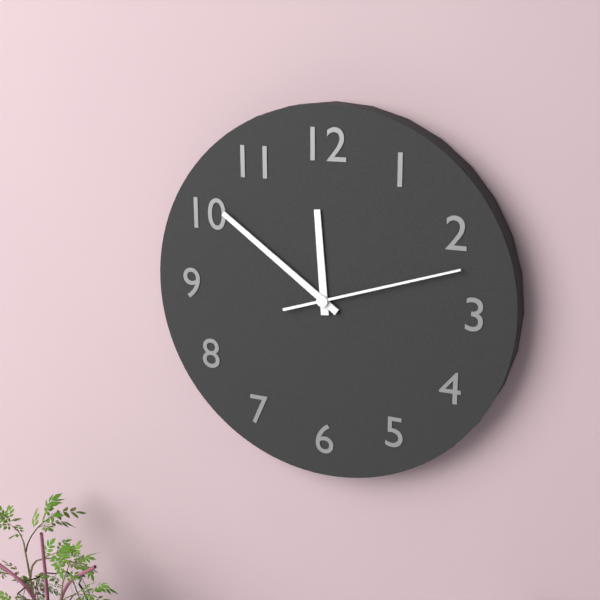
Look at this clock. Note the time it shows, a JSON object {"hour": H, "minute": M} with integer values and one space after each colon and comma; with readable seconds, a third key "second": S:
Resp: {"hour": 11, "minute": 51, "second": 12}
